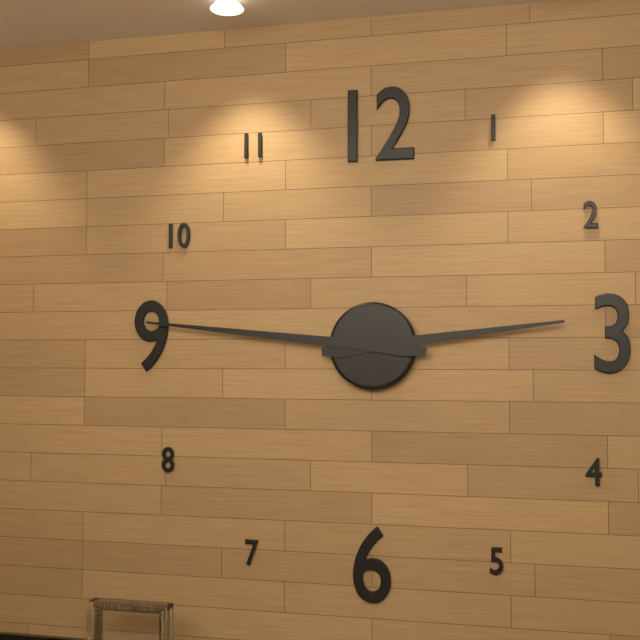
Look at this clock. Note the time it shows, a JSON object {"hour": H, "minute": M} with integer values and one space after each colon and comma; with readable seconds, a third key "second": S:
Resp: {"hour": 2, "minute": 46}
